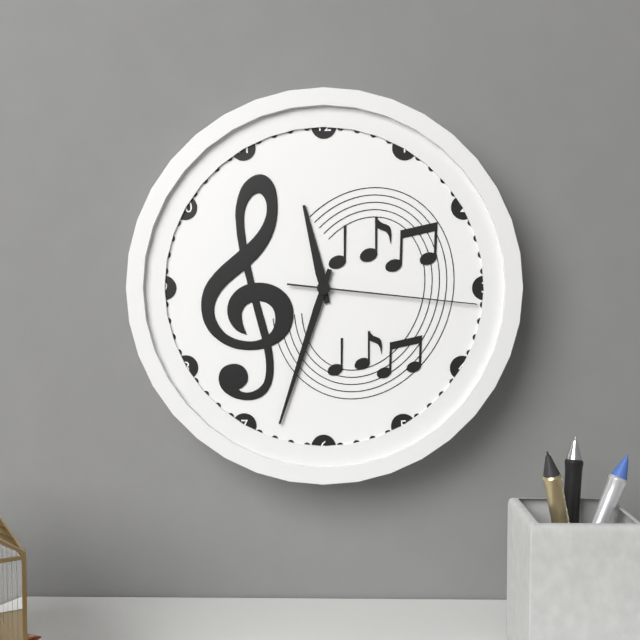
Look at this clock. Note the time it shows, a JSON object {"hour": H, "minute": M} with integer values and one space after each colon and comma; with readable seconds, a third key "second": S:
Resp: {"hour": 11, "minute": 33, "second": 16}
